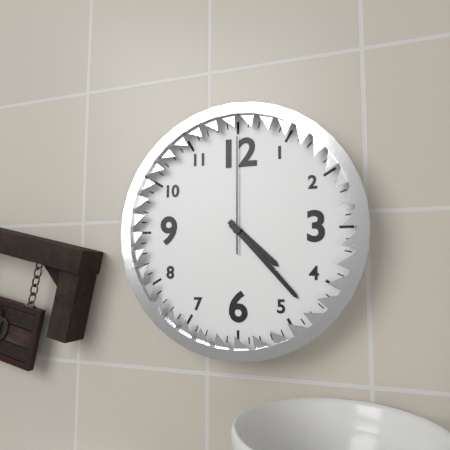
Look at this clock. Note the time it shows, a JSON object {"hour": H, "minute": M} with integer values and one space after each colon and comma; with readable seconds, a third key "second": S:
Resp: {"hour": 4, "minute": 23, "second": 0}
